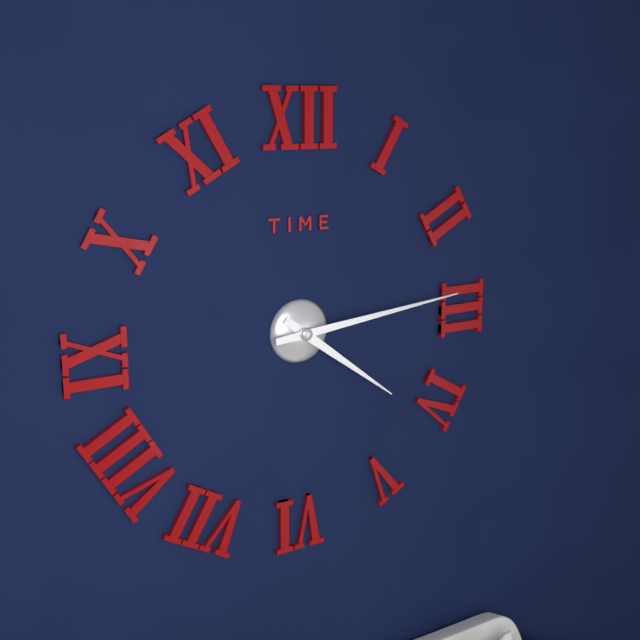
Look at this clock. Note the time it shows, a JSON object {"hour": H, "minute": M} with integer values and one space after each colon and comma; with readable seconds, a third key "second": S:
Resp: {"hour": 4, "minute": 14}
